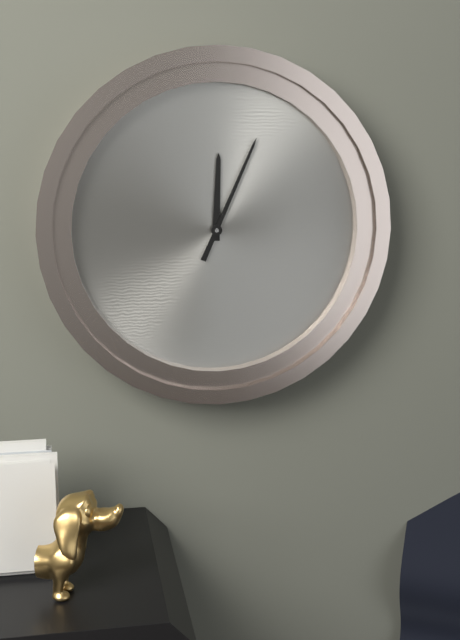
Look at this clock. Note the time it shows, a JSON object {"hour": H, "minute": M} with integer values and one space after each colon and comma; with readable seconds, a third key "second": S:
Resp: {"hour": 12, "minute": 4}
